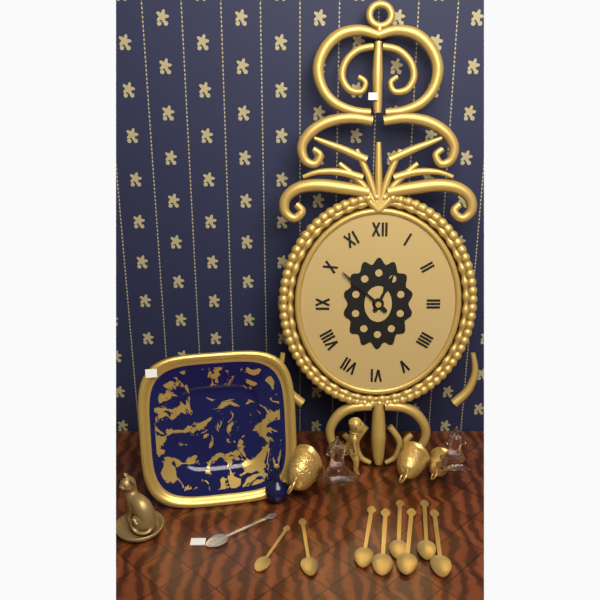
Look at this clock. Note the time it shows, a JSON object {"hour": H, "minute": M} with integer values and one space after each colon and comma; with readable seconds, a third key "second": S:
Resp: {"hour": 12, "minute": 52}
